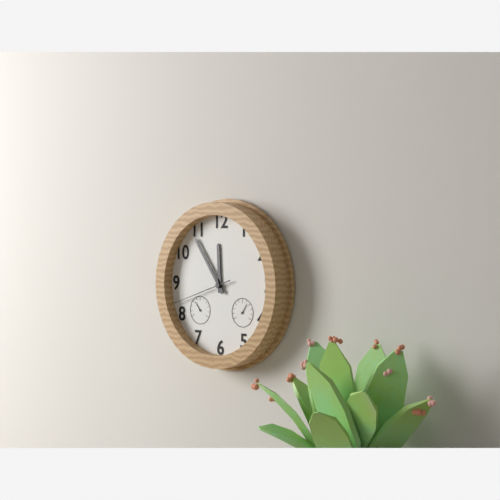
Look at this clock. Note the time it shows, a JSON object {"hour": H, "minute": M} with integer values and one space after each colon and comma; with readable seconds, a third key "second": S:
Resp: {"hour": 11, "minute": 54, "second": 42}
